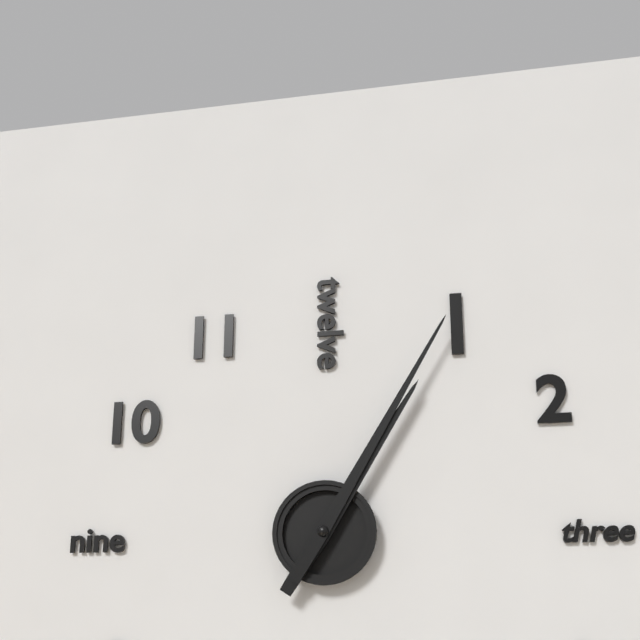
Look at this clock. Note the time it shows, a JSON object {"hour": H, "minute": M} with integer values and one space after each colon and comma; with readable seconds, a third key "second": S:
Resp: {"hour": 1, "minute": 5}
